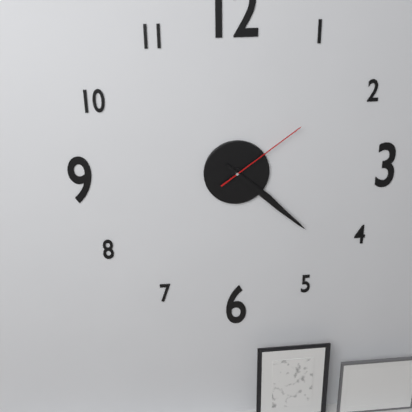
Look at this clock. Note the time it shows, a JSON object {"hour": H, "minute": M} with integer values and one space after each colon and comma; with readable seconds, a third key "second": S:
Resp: {"hour": 4, "minute": 22, "second": 9}
